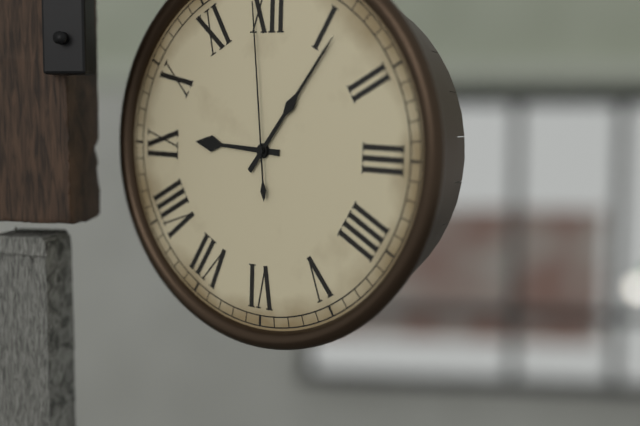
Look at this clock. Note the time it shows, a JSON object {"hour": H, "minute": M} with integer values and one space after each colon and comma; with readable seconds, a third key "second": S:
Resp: {"hour": 9, "minute": 6, "second": 59}
